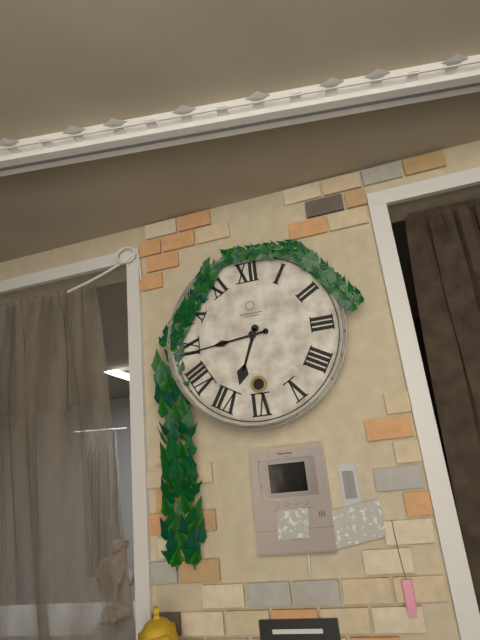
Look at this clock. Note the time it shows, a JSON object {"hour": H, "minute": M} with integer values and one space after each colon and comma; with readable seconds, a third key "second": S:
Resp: {"hour": 6, "minute": 44}
